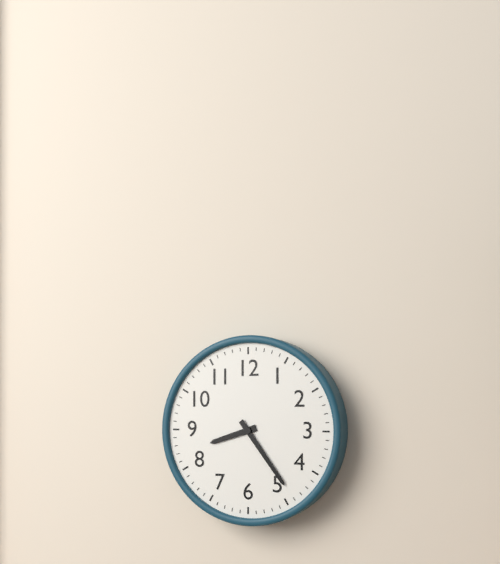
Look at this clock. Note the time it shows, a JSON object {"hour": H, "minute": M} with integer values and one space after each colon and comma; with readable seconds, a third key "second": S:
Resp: {"hour": 8, "minute": 24}
